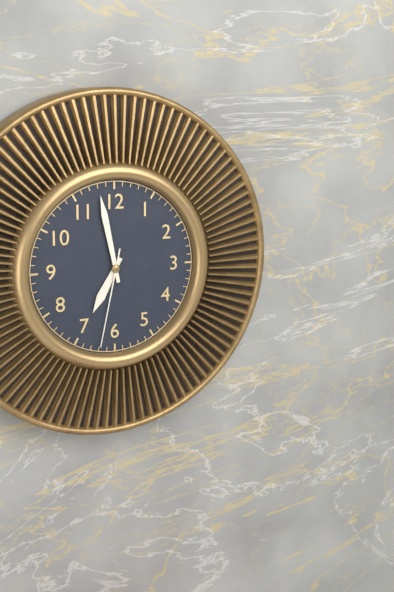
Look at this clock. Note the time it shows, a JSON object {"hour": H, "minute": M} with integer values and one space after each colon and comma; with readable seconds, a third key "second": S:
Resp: {"hour": 6, "minute": 58, "second": 32}
